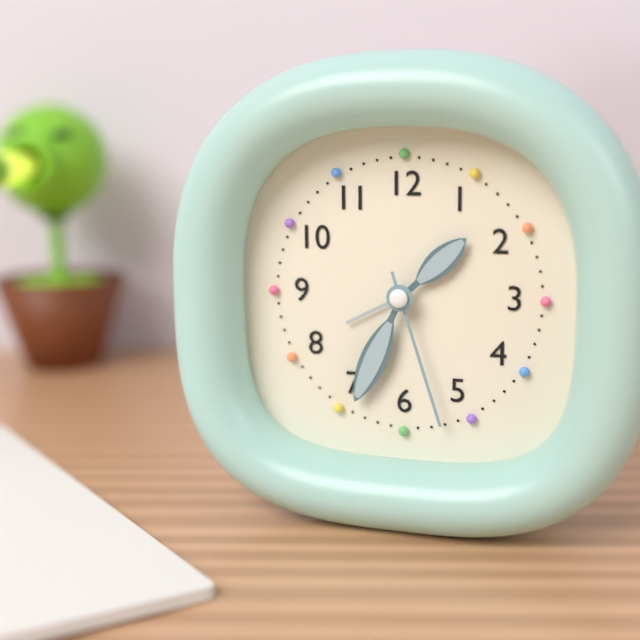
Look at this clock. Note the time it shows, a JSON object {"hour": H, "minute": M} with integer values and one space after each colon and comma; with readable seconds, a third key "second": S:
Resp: {"hour": 1, "minute": 34, "second": 27}
